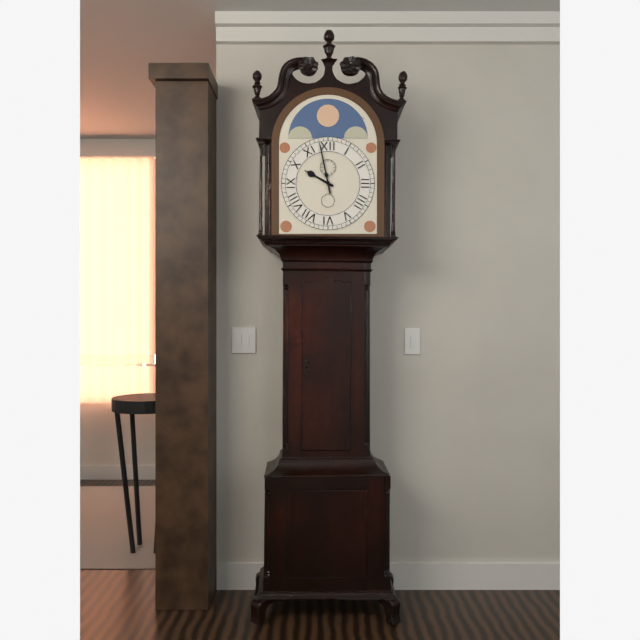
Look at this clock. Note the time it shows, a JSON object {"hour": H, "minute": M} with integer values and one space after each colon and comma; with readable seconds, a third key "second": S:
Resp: {"hour": 9, "minute": 58}
